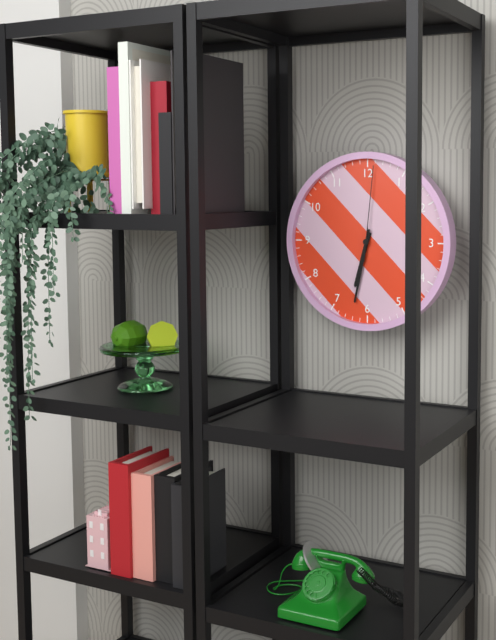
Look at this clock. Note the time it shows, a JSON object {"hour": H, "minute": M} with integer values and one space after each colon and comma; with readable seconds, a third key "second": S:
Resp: {"hour": 6, "minute": 32, "second": 1}
